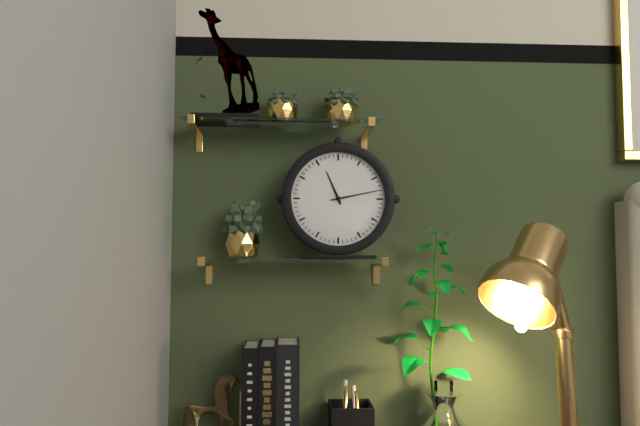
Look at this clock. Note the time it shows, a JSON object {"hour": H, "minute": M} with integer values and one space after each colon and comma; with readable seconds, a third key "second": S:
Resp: {"hour": 11, "minute": 13}
